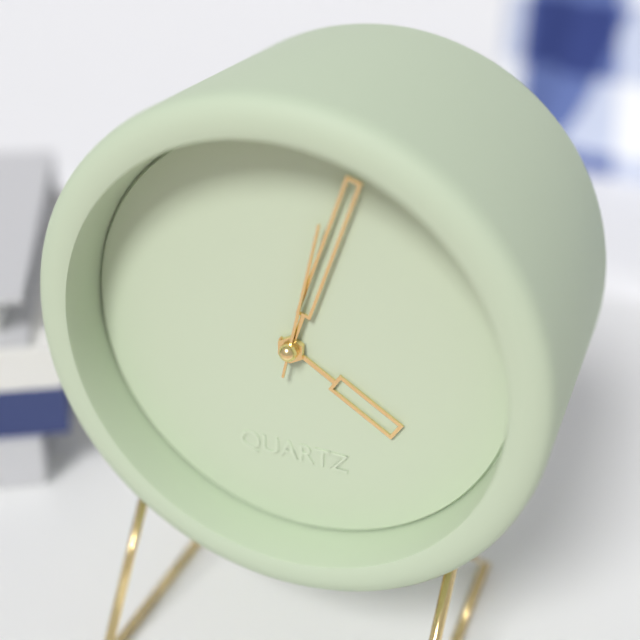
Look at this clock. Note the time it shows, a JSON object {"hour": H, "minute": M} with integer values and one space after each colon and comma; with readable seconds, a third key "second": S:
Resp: {"hour": 4, "minute": 3, "second": 2}
